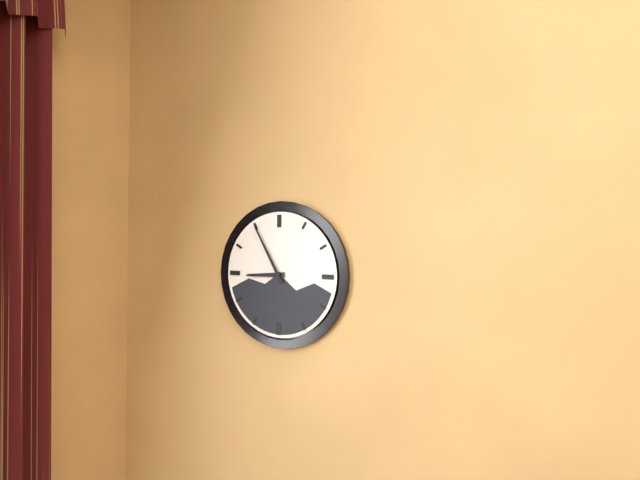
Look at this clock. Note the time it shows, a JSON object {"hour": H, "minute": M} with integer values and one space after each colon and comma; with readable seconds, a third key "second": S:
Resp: {"hour": 8, "minute": 55}
